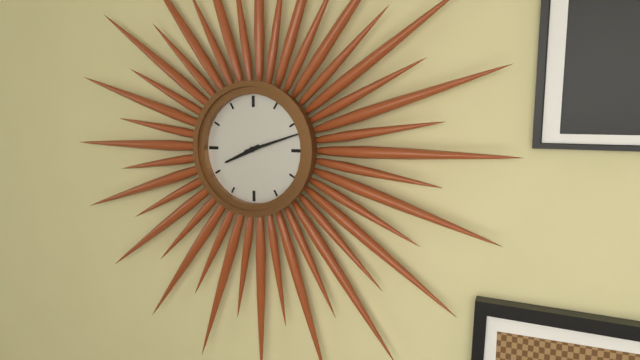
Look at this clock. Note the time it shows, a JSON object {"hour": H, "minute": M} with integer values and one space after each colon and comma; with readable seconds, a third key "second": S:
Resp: {"hour": 8, "minute": 12}
